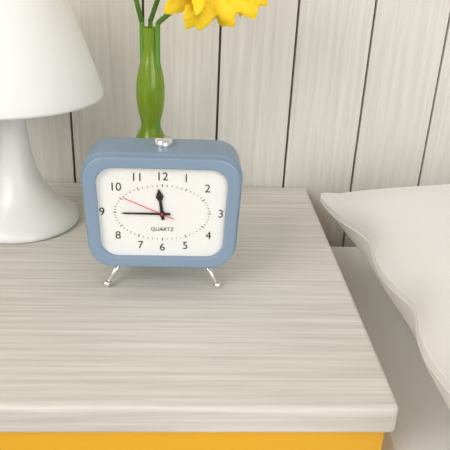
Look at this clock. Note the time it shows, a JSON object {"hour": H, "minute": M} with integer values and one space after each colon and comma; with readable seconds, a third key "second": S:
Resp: {"hour": 11, "minute": 45, "second": 49}
